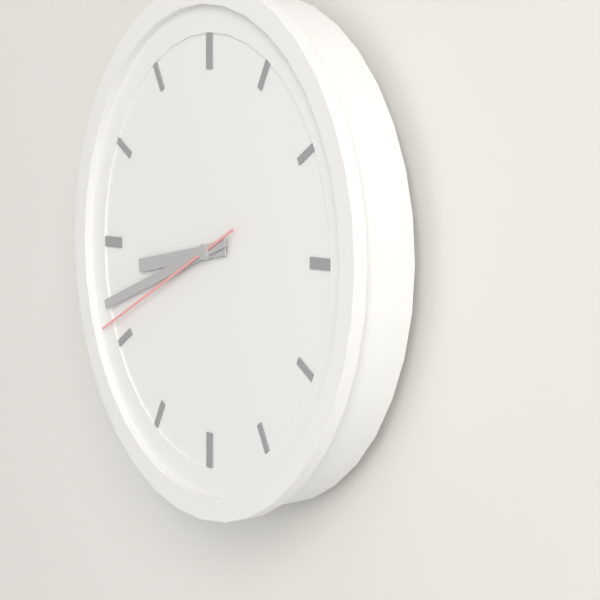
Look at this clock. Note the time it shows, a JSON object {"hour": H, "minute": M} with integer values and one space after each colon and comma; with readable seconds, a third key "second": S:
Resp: {"hour": 8, "minute": 42, "second": 41}
